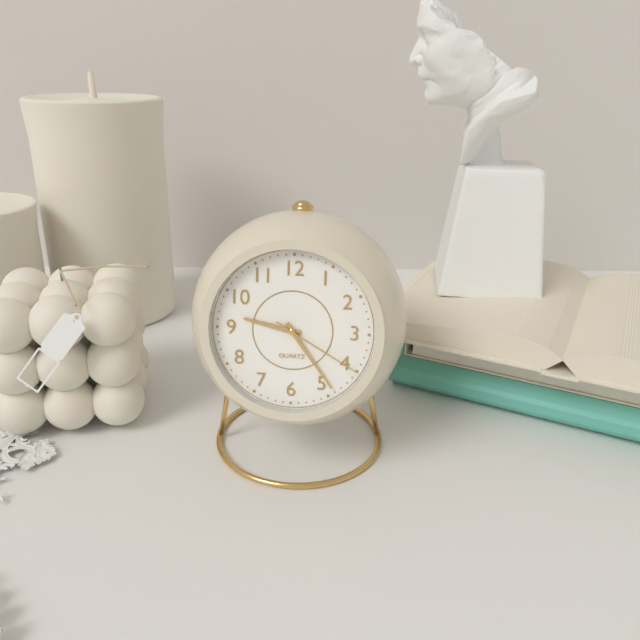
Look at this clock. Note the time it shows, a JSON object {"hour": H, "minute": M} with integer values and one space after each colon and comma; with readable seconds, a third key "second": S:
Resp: {"hour": 9, "minute": 24, "second": 20}
